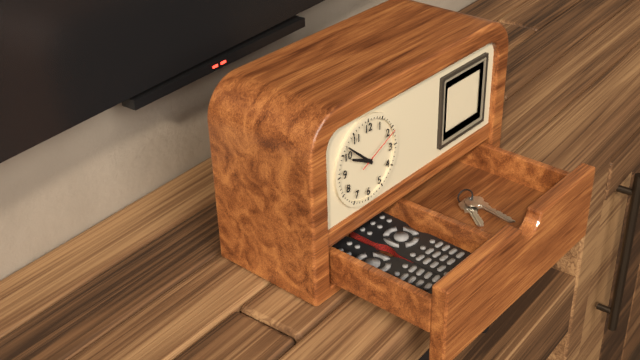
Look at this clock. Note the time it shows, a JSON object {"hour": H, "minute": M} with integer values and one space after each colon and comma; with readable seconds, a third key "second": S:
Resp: {"hour": 9, "minute": 52, "second": 11}
